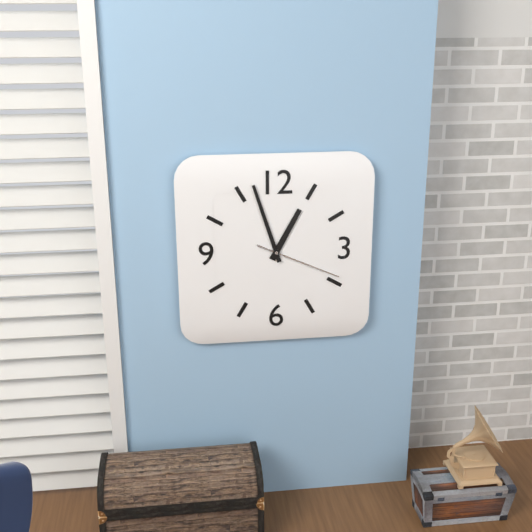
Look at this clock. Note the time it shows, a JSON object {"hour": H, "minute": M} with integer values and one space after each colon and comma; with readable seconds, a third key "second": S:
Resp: {"hour": 12, "minute": 57, "second": 19}
